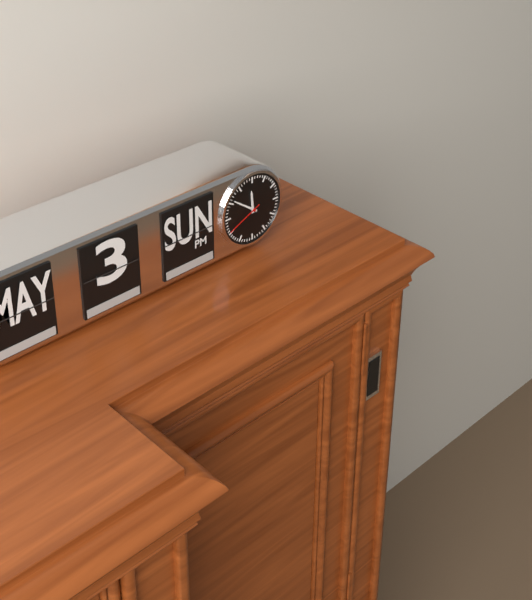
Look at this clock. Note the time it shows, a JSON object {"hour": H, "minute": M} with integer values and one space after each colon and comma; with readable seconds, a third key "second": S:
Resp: {"hour": 11, "minute": 51}
